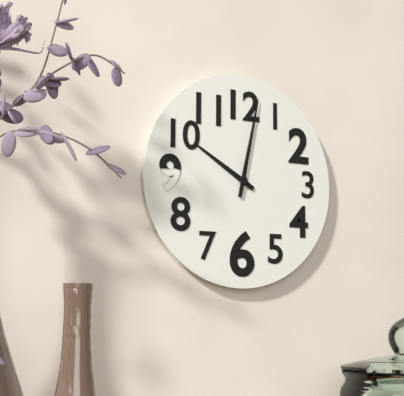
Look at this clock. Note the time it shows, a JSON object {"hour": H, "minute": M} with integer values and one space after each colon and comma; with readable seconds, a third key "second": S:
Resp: {"hour": 10, "minute": 2}
